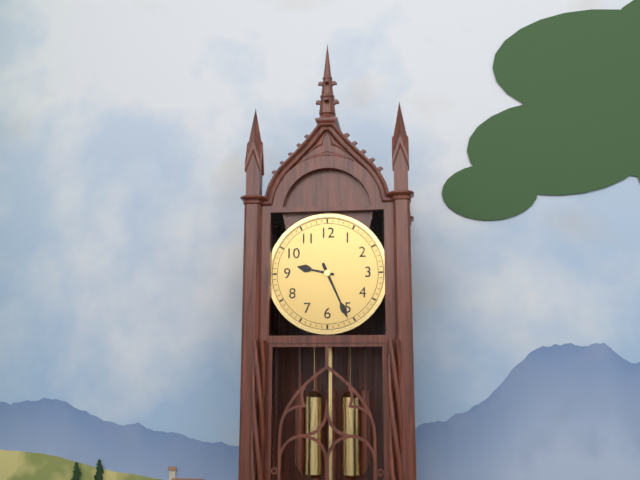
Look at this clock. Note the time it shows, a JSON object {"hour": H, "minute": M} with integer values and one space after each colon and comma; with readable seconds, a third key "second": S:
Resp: {"hour": 9, "minute": 26}
